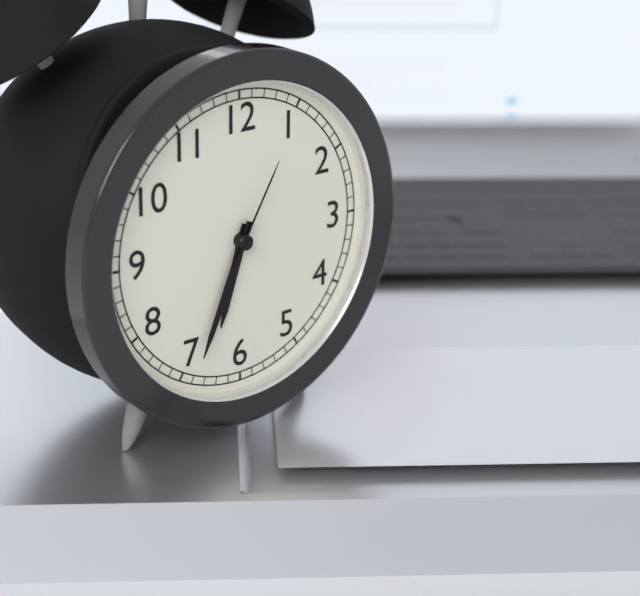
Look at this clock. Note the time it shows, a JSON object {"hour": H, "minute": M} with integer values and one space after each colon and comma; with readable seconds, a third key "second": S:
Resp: {"hour": 6, "minute": 34, "second": 5}
